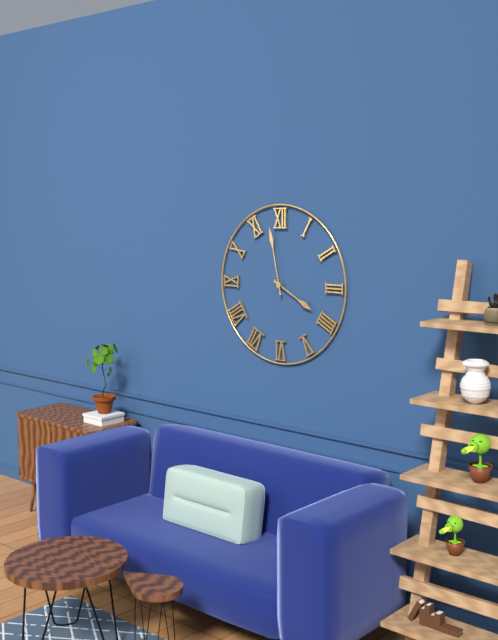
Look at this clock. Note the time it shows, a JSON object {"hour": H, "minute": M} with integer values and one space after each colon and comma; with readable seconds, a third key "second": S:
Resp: {"hour": 3, "minute": 58}
